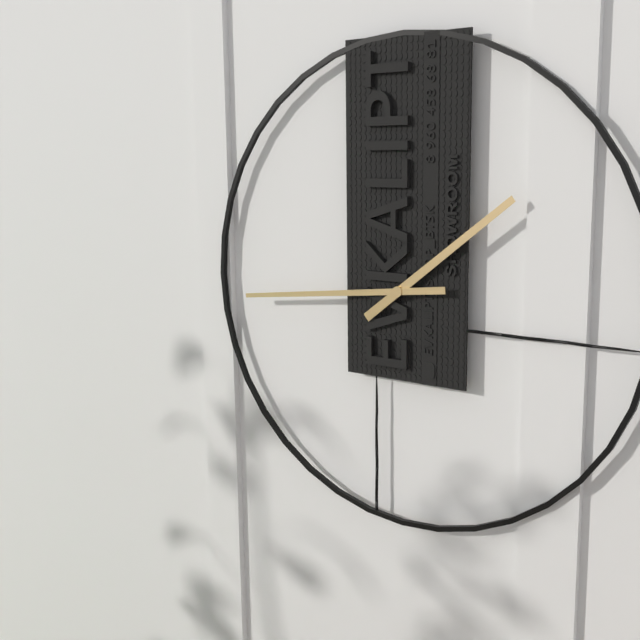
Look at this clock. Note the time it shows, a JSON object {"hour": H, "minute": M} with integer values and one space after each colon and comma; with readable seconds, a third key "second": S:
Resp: {"hour": 1, "minute": 44}
